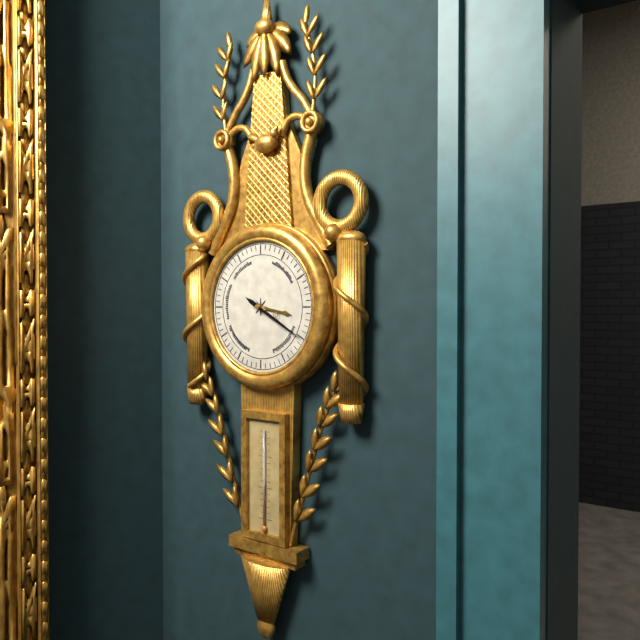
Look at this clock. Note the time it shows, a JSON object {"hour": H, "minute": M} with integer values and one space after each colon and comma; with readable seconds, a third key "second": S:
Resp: {"hour": 3, "minute": 20}
